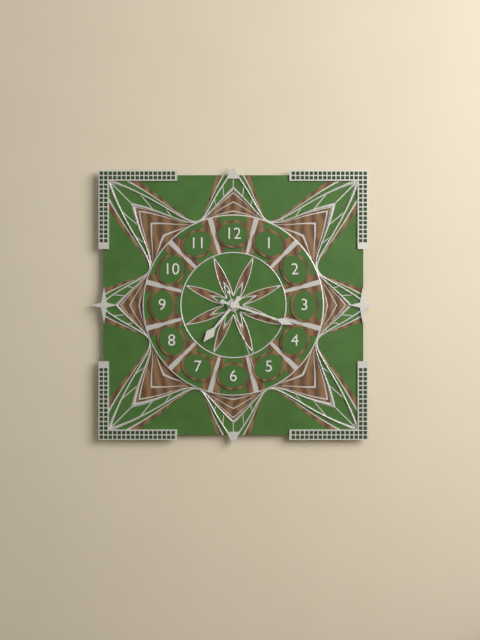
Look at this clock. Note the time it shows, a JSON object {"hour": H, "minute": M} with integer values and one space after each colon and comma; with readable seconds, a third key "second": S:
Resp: {"hour": 7, "minute": 18, "second": 27}
